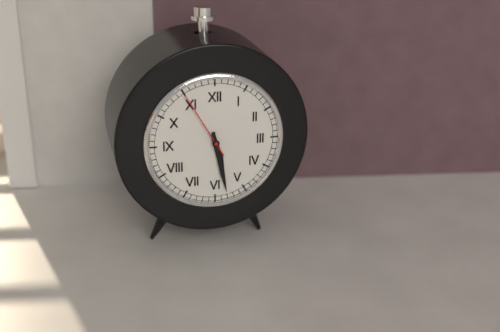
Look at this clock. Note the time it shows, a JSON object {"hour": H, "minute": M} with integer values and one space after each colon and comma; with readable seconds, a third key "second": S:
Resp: {"hour": 5, "minute": 28, "second": 55}
